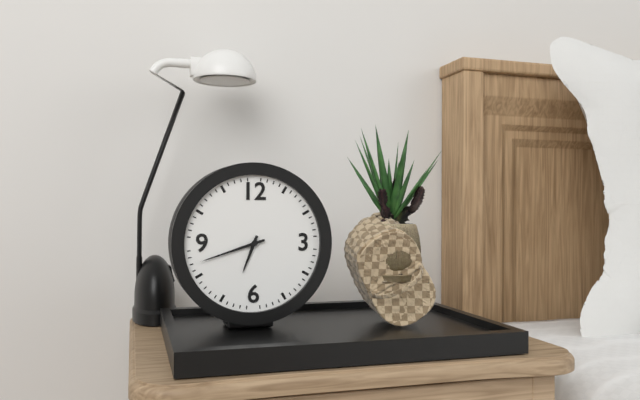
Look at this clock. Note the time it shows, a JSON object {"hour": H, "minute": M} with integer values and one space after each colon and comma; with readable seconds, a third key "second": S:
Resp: {"hour": 6, "minute": 42}
